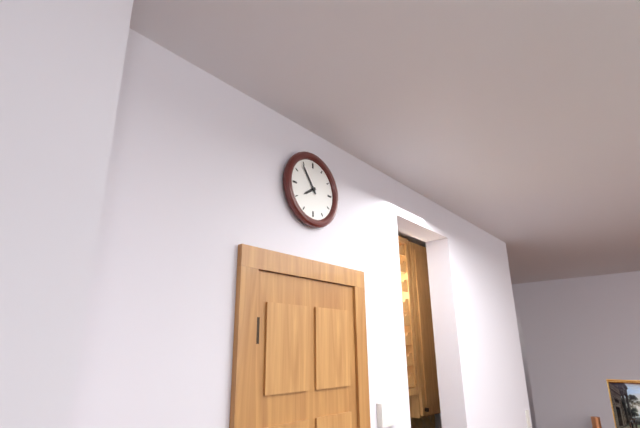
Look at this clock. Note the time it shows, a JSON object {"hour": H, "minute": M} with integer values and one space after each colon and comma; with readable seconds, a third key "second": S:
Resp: {"hour": 7, "minute": 54}
